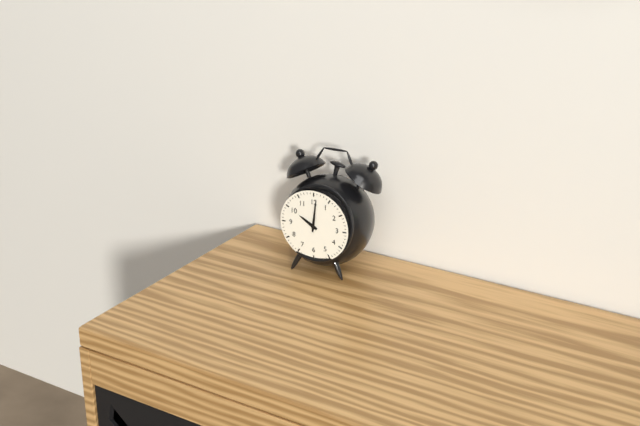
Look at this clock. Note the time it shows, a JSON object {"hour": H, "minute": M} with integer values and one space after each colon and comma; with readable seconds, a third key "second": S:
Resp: {"hour": 10, "minute": 1}
